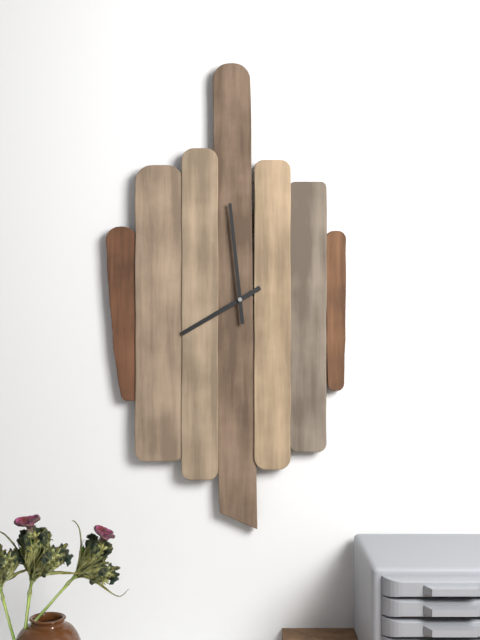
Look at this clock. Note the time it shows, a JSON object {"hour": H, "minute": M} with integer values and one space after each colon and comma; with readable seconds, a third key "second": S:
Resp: {"hour": 7, "minute": 59}
